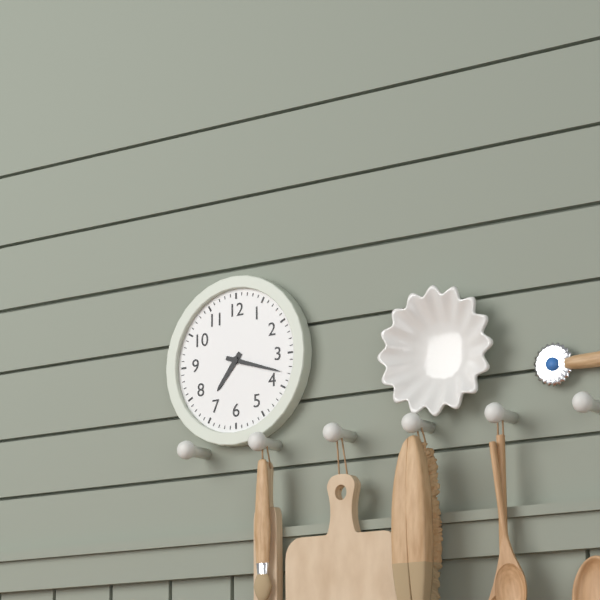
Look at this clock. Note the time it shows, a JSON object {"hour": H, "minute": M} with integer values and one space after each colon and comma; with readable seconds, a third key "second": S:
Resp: {"hour": 7, "minute": 18}
